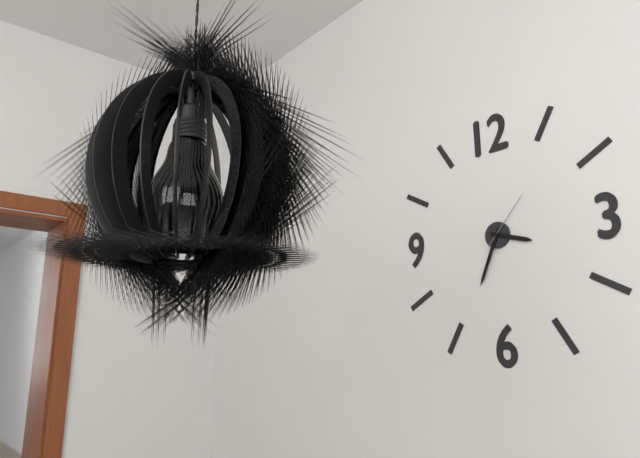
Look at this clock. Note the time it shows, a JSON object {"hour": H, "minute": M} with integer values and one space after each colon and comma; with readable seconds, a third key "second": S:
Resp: {"hour": 3, "minute": 34, "second": 7}
